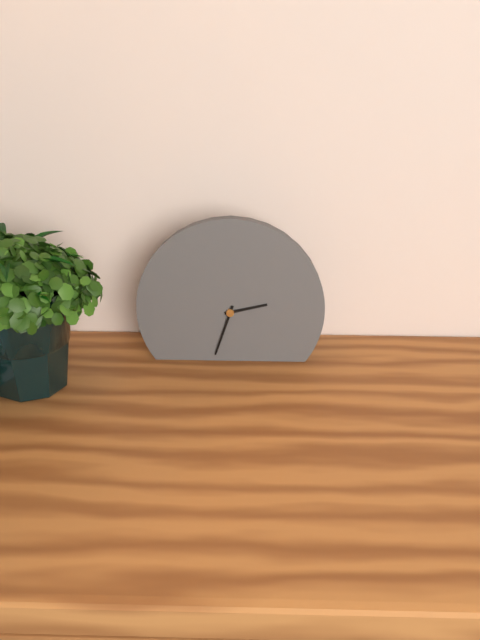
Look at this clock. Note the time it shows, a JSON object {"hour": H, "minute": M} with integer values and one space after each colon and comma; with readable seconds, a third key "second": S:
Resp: {"hour": 2, "minute": 33}
